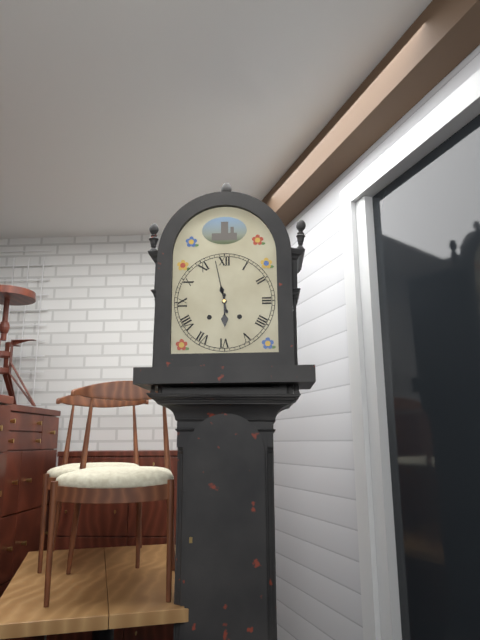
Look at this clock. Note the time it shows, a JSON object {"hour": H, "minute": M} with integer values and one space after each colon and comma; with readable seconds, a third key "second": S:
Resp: {"hour": 5, "minute": 58}
